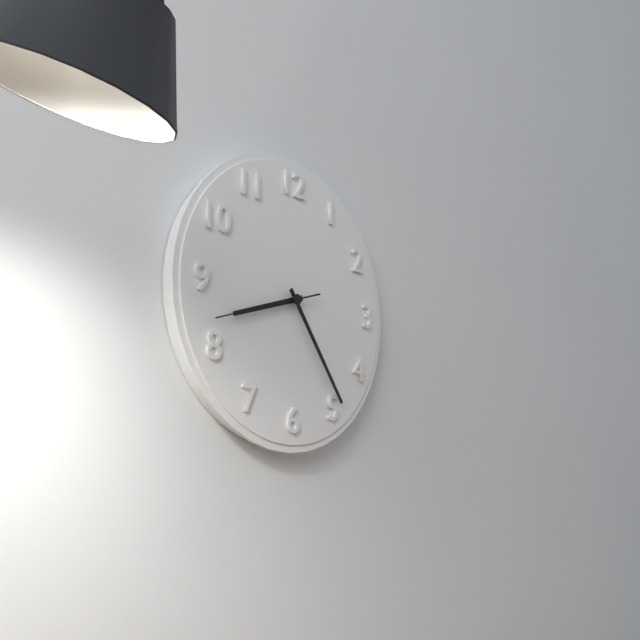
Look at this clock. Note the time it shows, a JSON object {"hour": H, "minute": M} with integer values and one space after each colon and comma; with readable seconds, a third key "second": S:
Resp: {"hour": 8, "minute": 24, "second": 42}
